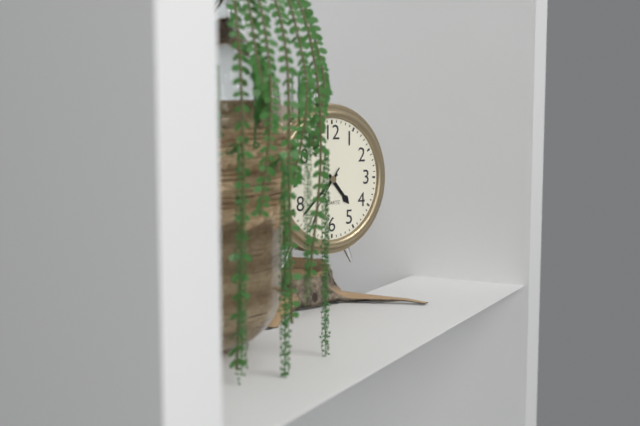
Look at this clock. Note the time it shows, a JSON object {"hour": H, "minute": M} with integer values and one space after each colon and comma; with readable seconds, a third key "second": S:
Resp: {"hour": 4, "minute": 38, "second": 36}
